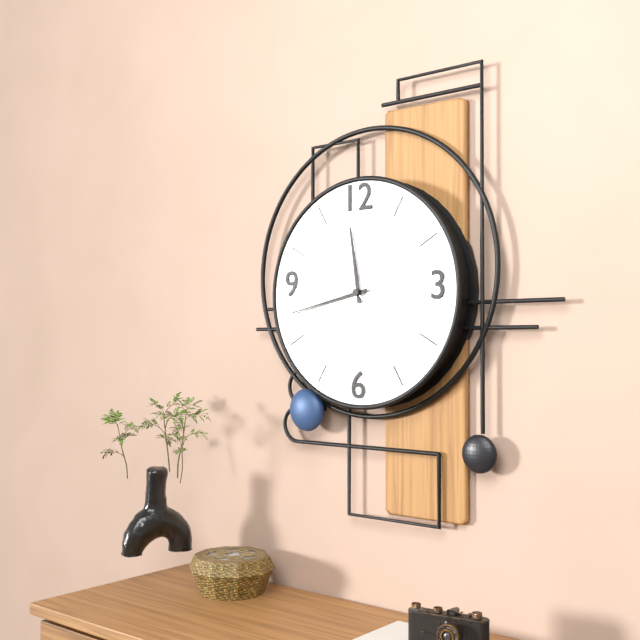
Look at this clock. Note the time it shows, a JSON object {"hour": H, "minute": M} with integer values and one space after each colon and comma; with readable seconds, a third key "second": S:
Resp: {"hour": 11, "minute": 43, "second": 52}
